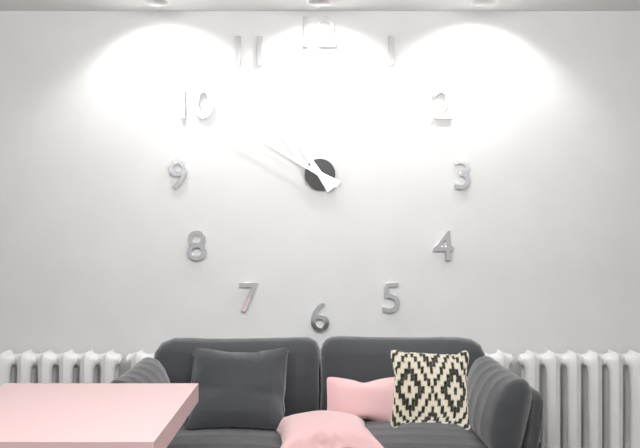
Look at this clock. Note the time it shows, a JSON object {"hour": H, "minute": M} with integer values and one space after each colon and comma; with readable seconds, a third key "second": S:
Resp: {"hour": 10, "minute": 50}
